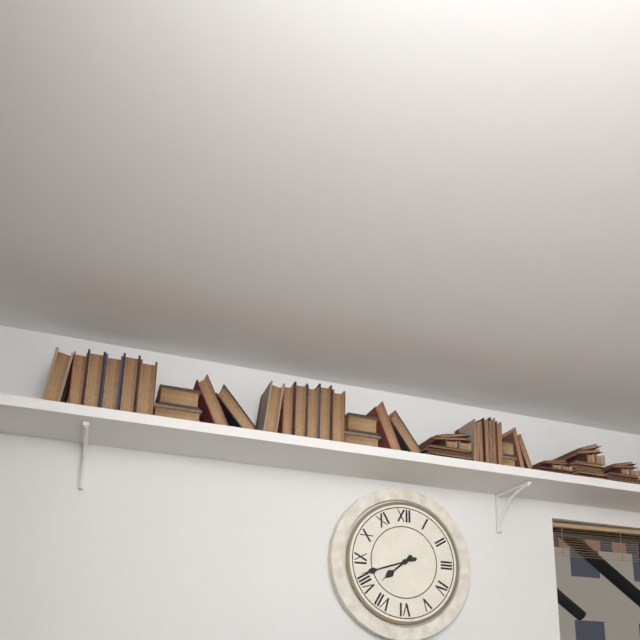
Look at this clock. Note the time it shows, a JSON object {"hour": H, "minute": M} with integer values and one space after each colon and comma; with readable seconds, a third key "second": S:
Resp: {"hour": 7, "minute": 42}
